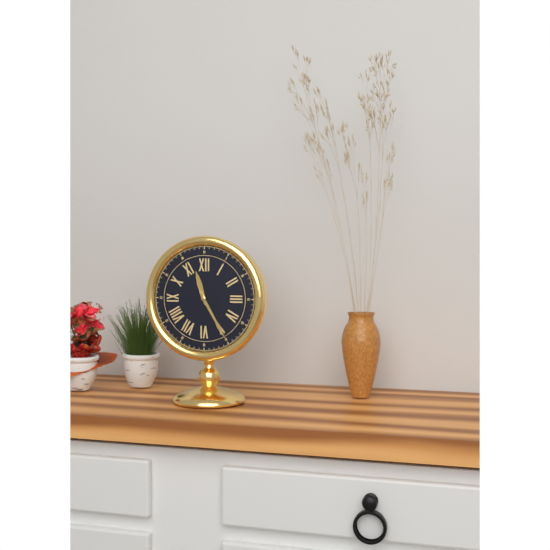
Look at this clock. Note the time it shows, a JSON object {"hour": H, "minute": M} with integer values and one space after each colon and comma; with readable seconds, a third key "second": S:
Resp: {"hour": 11, "minute": 25}
